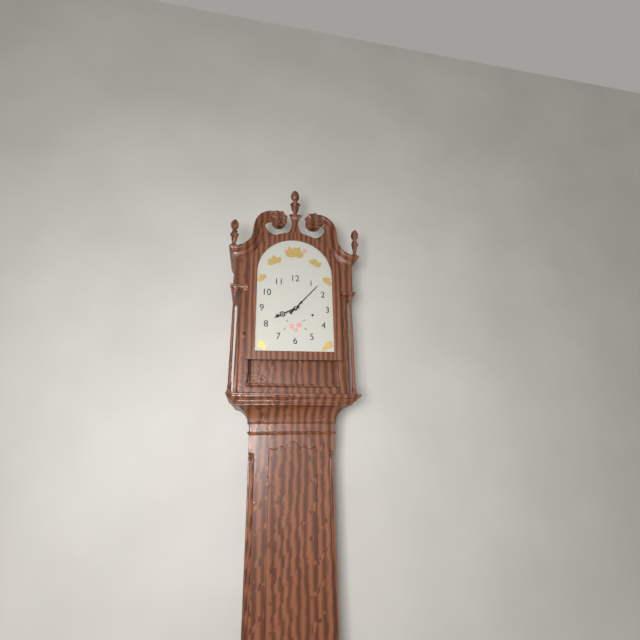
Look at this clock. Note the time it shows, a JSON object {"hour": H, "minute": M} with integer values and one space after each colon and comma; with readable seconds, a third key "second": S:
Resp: {"hour": 8, "minute": 7}
